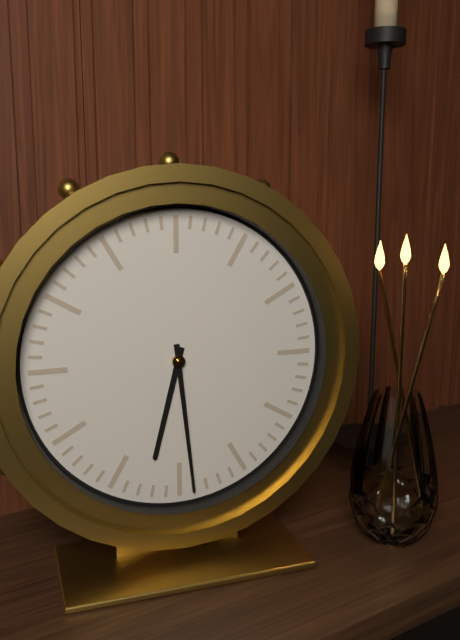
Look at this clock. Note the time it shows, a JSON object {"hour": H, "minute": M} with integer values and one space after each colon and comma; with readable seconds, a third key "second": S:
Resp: {"hour": 6, "minute": 29}
